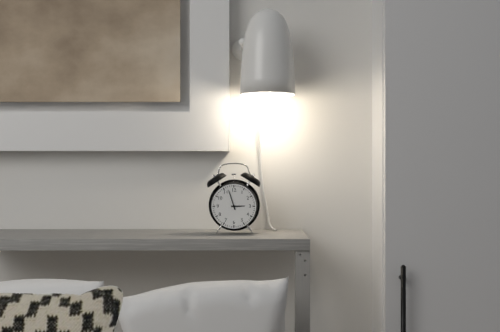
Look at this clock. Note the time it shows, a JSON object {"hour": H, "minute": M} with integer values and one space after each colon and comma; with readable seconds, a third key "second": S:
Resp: {"hour": 2, "minute": 57}
